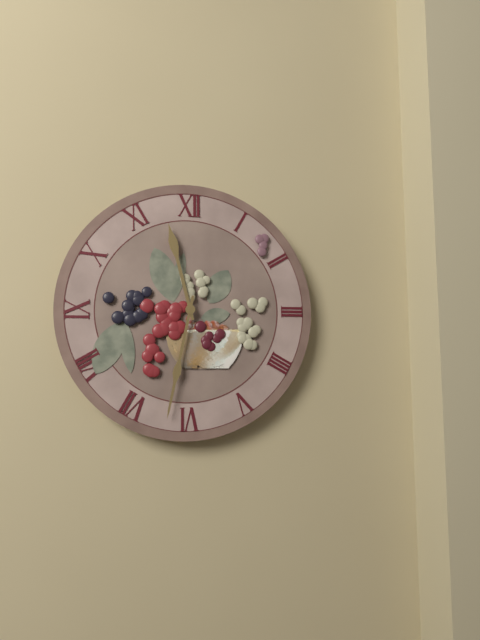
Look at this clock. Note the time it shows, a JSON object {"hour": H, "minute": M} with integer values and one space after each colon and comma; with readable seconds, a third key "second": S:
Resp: {"hour": 11, "minute": 32}
